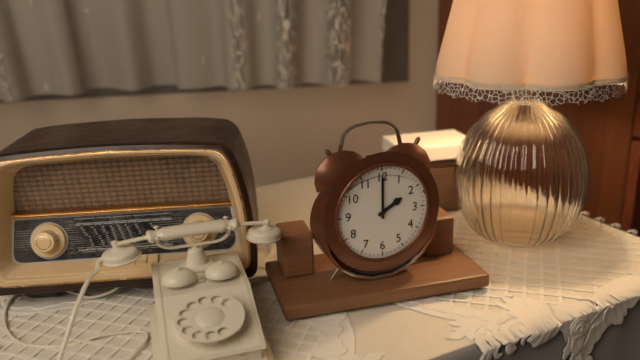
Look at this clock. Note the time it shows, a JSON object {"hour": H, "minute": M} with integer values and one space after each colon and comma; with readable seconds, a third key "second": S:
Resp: {"hour": 2, "minute": 0}
